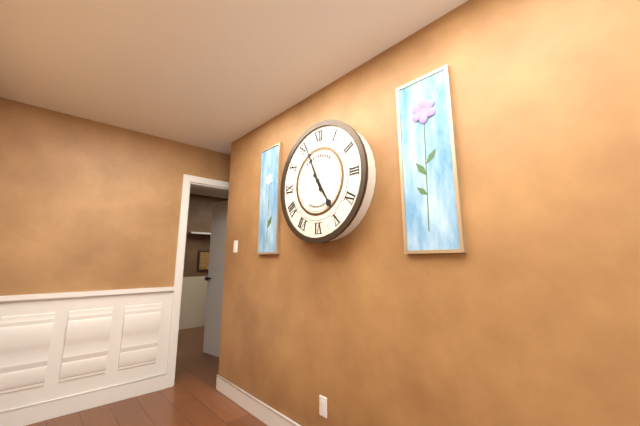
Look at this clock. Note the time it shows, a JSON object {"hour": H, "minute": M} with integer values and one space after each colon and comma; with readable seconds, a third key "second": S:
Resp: {"hour": 4, "minute": 56}
